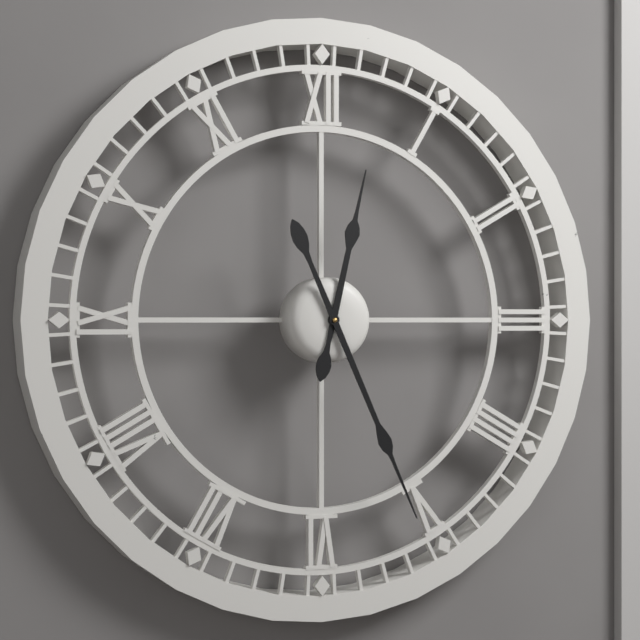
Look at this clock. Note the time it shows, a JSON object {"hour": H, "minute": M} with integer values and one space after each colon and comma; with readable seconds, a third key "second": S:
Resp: {"hour": 12, "minute": 26}
